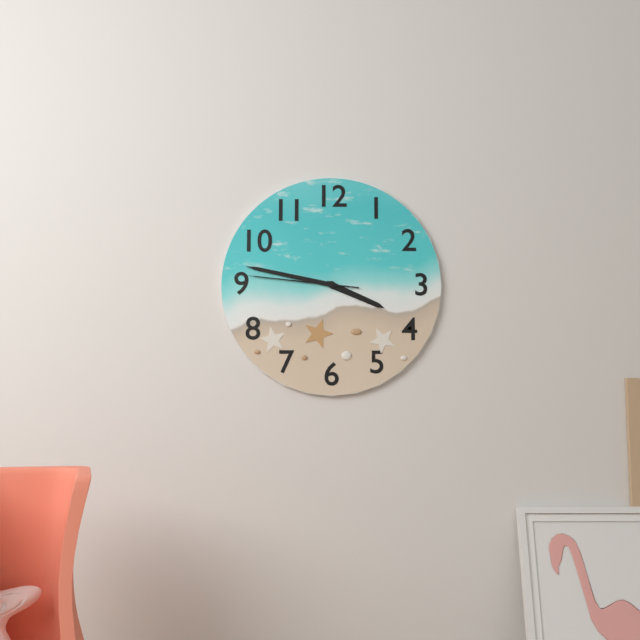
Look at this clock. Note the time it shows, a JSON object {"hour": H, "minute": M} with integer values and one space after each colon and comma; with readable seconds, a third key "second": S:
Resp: {"hour": 3, "minute": 47, "second": 46}
